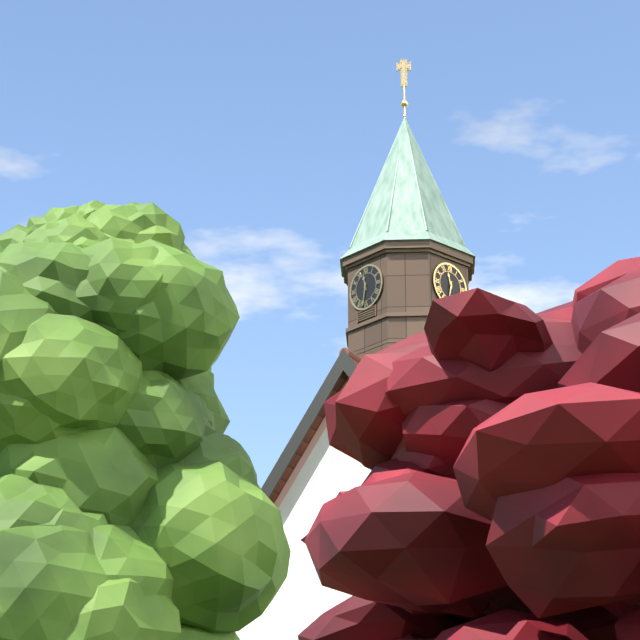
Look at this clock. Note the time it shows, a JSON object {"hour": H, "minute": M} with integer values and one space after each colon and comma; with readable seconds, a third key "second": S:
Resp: {"hour": 11, "minute": 32}
